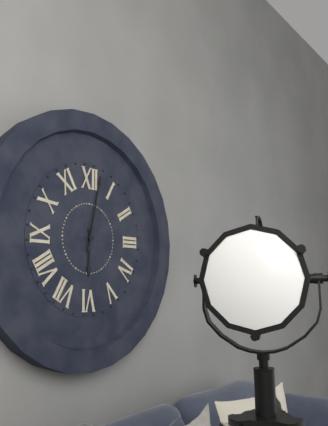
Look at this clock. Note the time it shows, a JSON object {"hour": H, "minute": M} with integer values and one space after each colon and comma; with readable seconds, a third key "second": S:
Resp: {"hour": 6, "minute": 2}
